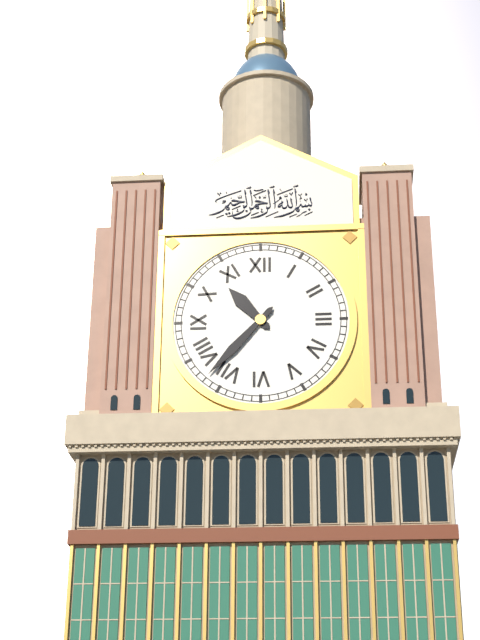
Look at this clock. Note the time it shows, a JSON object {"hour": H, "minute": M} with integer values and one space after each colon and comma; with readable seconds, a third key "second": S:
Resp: {"hour": 10, "minute": 37}
